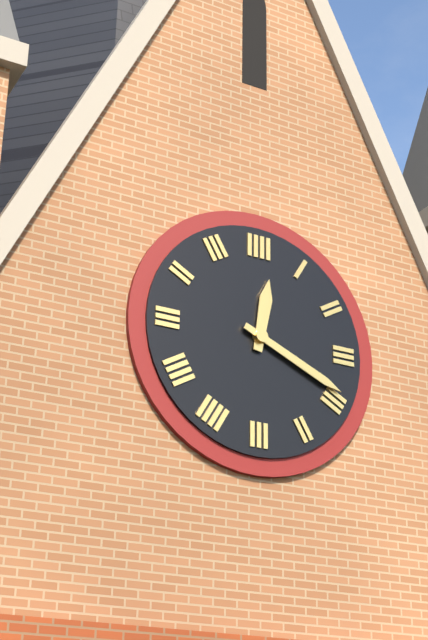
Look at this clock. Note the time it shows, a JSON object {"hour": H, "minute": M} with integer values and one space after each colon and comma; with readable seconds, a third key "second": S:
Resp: {"hour": 12, "minute": 19}
